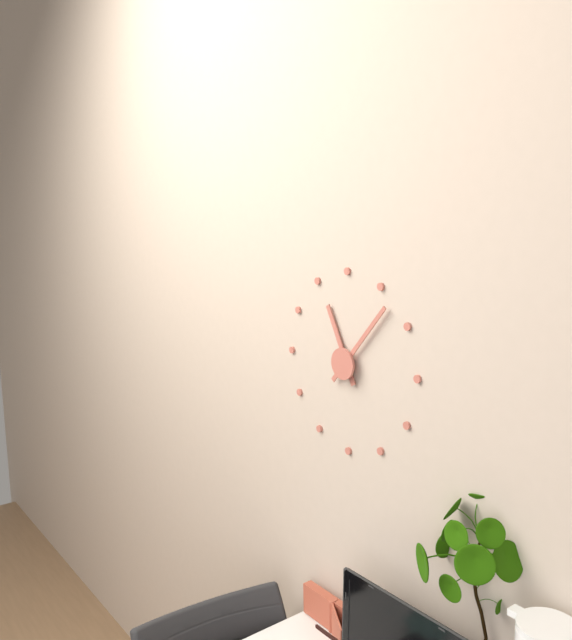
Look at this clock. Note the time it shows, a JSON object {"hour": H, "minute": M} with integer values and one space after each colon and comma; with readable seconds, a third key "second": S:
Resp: {"hour": 11, "minute": 7}
